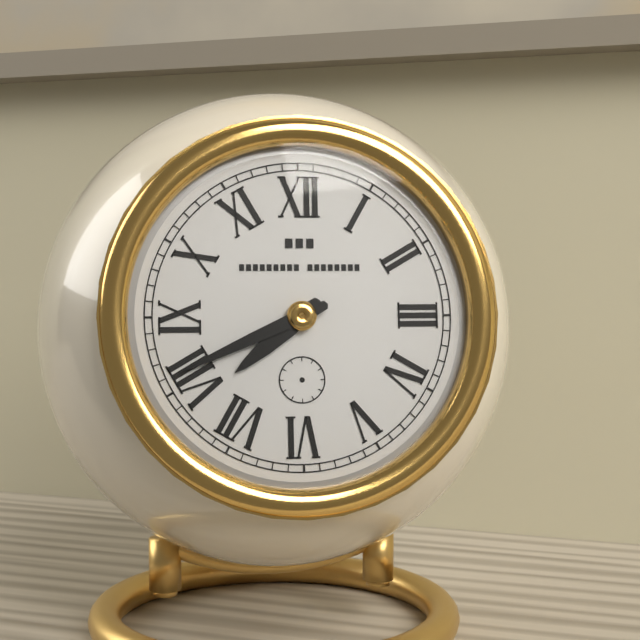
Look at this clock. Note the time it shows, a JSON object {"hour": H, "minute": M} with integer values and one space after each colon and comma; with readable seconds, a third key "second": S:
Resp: {"hour": 7, "minute": 41}
